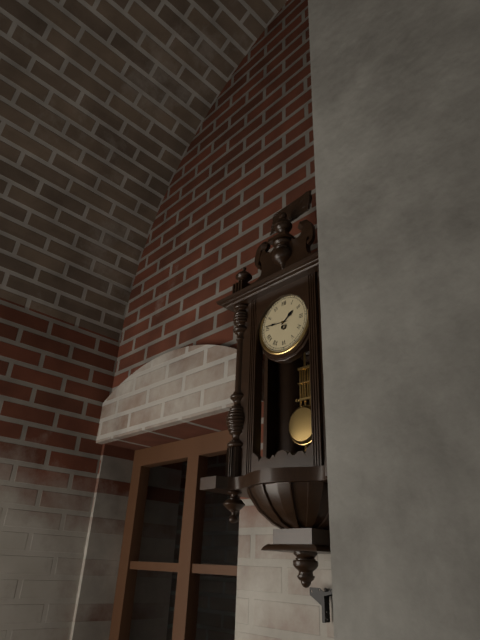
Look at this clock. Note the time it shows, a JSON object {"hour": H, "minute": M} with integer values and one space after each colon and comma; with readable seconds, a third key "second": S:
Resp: {"hour": 1, "minute": 46}
